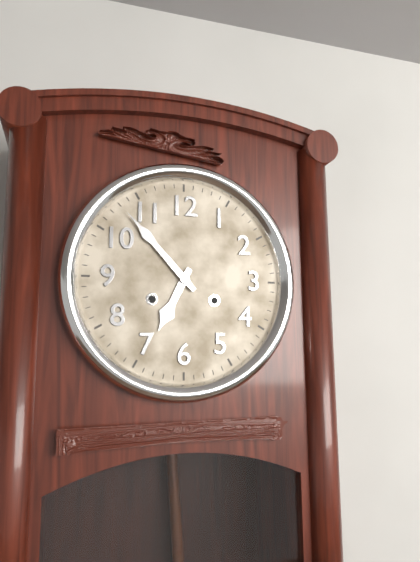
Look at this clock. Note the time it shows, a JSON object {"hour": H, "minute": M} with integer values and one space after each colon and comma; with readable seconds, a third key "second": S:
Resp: {"hour": 6, "minute": 53}
